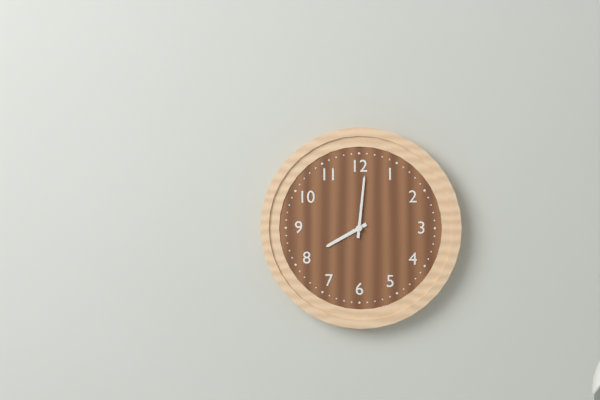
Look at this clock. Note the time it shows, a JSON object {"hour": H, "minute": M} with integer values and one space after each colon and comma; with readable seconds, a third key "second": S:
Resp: {"hour": 8, "minute": 1}
